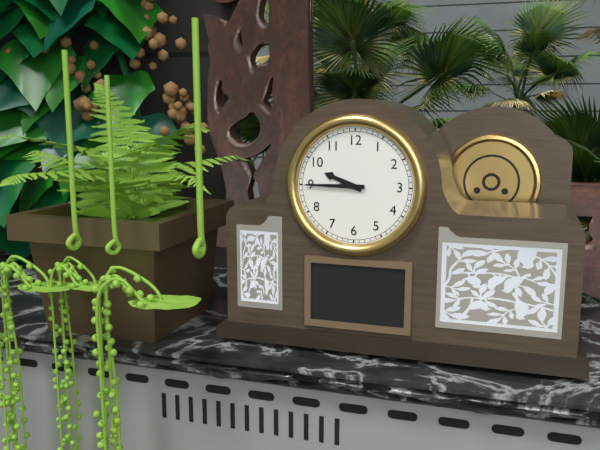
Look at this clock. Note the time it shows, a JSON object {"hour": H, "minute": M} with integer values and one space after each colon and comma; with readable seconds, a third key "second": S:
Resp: {"hour": 9, "minute": 45}
